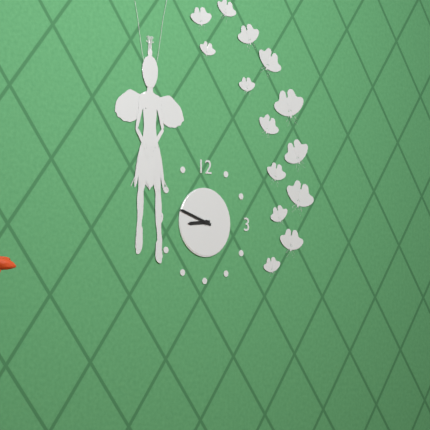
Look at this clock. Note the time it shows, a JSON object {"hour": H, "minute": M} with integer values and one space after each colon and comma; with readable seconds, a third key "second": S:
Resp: {"hour": 8, "minute": 48}
